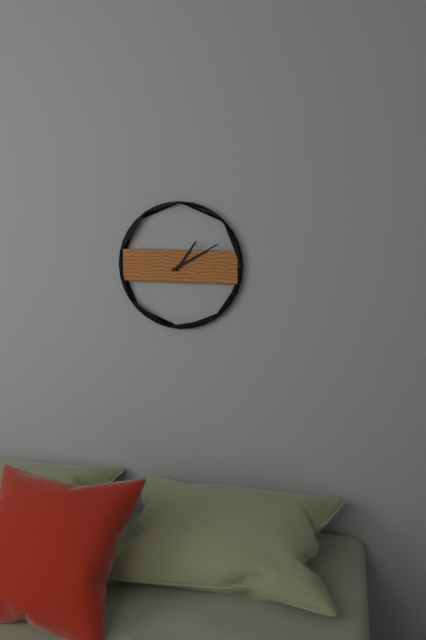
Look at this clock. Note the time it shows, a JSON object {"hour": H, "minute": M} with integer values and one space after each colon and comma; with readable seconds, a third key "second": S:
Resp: {"hour": 1, "minute": 10}
